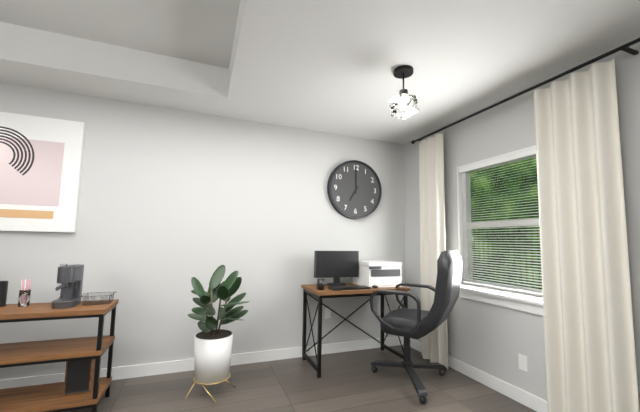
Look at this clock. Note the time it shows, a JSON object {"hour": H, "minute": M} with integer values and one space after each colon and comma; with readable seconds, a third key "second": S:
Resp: {"hour": 7, "minute": 0}
